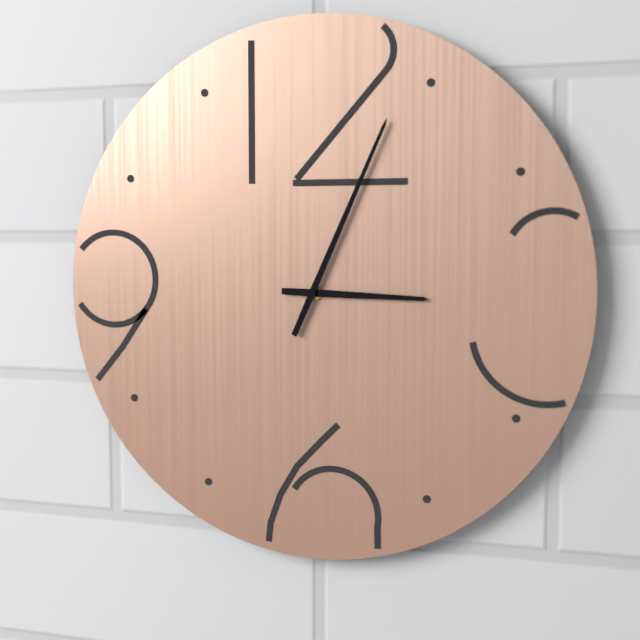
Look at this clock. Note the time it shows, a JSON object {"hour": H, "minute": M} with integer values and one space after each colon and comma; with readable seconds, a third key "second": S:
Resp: {"hour": 3, "minute": 4}
